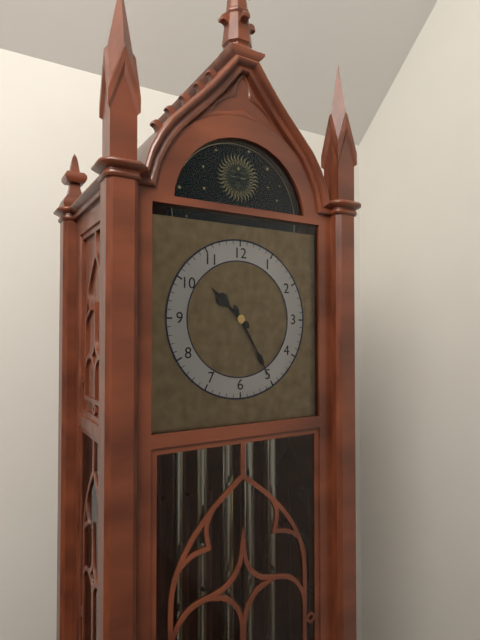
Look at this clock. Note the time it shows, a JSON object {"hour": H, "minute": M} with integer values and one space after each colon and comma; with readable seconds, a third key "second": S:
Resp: {"hour": 10, "minute": 25}
